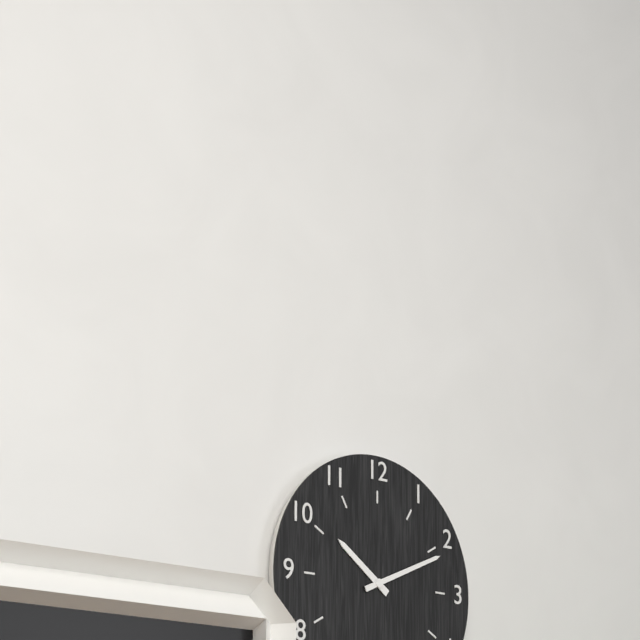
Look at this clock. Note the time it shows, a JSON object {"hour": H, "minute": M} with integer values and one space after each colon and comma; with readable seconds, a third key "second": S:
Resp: {"hour": 10, "minute": 11}
